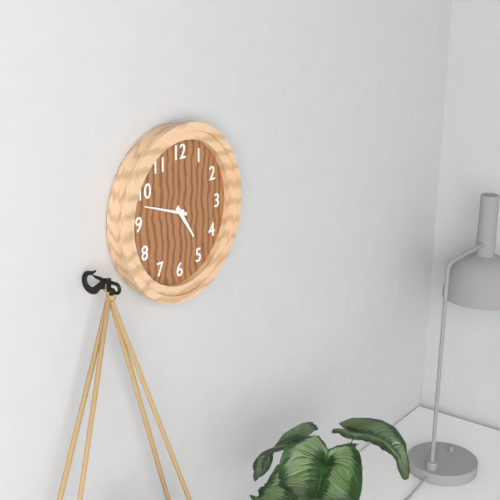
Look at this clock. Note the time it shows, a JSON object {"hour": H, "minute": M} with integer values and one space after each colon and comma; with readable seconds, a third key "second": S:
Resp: {"hour": 4, "minute": 48}
